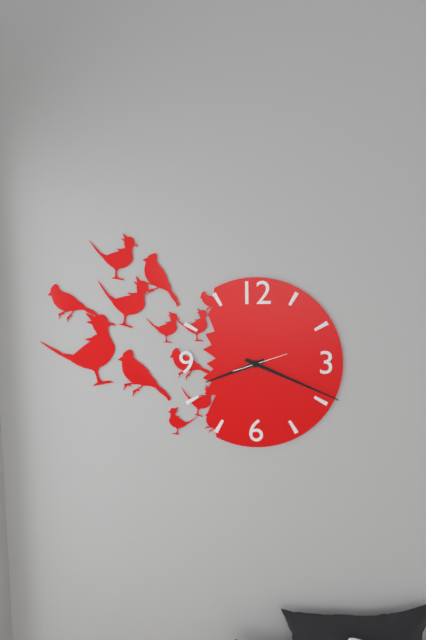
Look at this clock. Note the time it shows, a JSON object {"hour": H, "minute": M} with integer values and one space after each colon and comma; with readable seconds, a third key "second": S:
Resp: {"hour": 8, "minute": 19}
